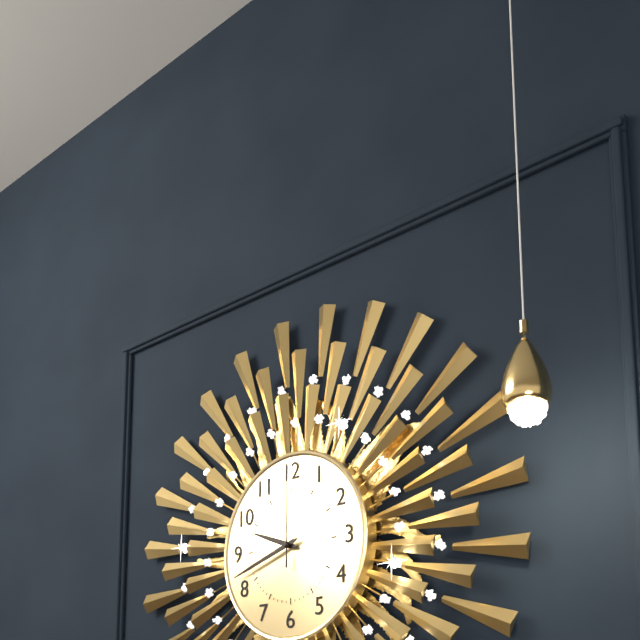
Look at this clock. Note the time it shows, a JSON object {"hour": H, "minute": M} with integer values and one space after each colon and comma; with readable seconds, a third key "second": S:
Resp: {"hour": 9, "minute": 42, "second": 0}
